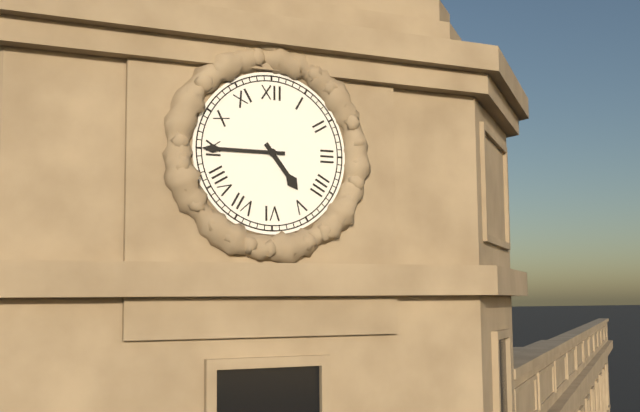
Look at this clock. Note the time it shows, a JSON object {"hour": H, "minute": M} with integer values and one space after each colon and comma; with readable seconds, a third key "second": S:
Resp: {"hour": 4, "minute": 45}
